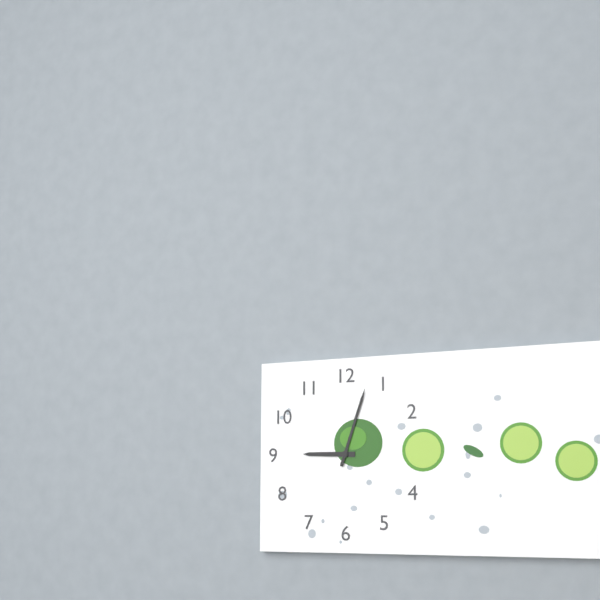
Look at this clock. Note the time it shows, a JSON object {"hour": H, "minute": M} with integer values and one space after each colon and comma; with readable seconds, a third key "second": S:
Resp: {"hour": 9, "minute": 3}
